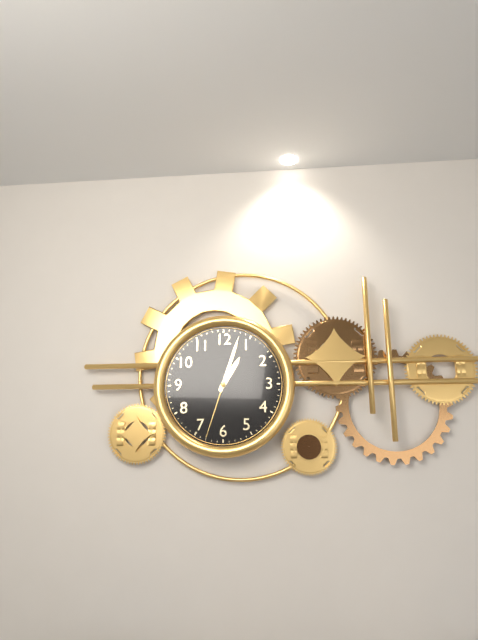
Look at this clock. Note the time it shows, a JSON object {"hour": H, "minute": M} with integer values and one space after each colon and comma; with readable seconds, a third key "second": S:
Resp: {"hour": 1, "minute": 3, "second": 33}
